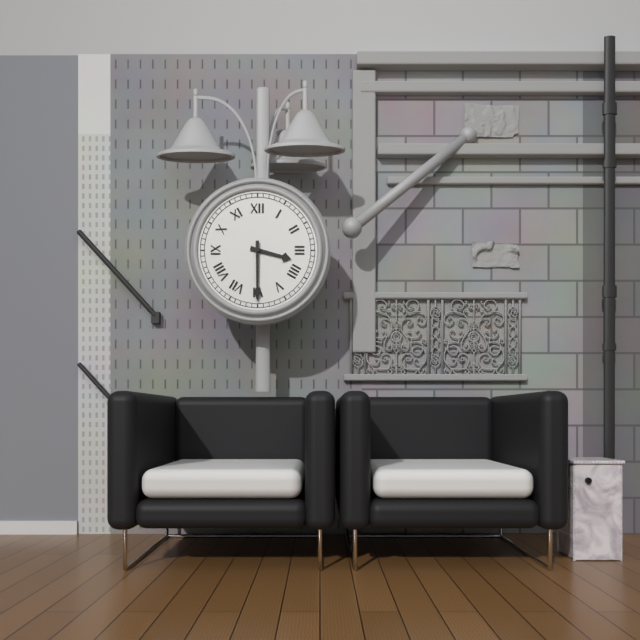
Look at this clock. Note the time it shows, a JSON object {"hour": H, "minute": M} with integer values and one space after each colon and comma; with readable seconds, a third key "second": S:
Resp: {"hour": 3, "minute": 30}
